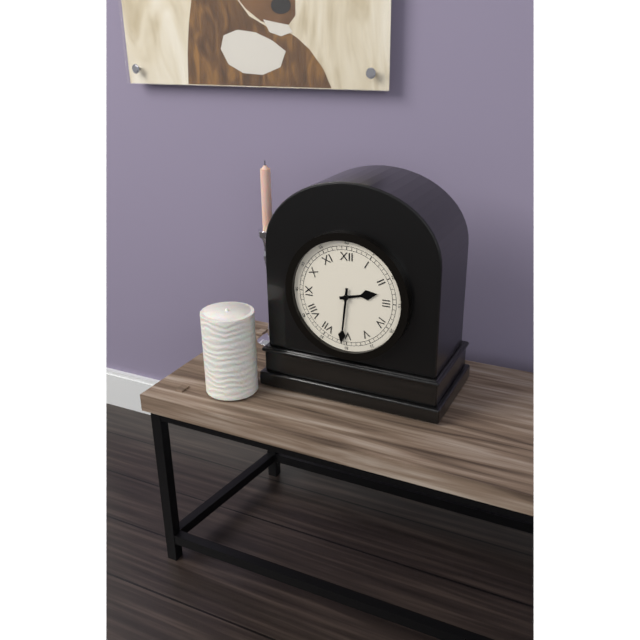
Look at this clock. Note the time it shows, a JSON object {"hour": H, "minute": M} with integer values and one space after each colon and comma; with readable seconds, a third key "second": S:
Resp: {"hour": 2, "minute": 31}
